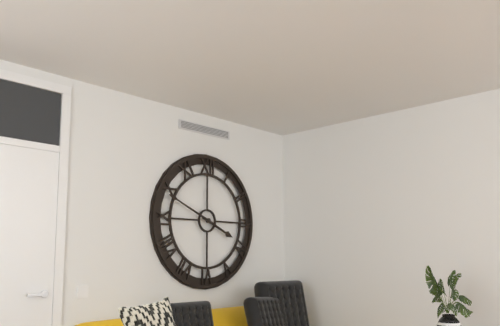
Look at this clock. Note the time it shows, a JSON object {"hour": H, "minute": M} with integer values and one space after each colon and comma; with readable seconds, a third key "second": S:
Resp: {"hour": 3, "minute": 49}
